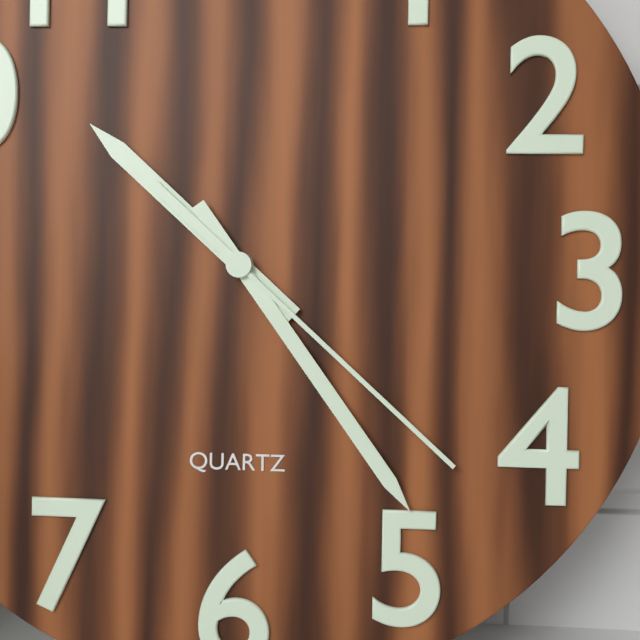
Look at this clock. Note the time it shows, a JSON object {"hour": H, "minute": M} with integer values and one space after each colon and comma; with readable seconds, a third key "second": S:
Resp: {"hour": 10, "minute": 24, "second": 22}
